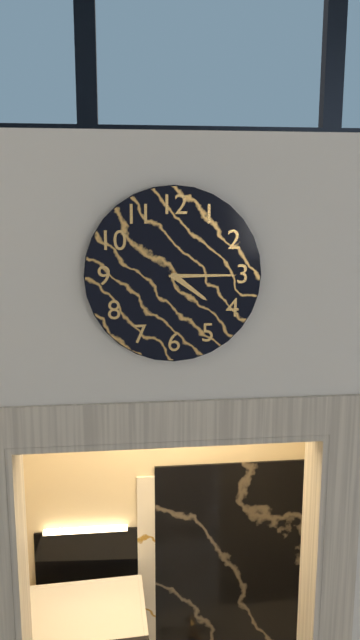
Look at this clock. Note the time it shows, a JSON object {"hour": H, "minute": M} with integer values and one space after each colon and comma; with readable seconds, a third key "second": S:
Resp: {"hour": 4, "minute": 15}
